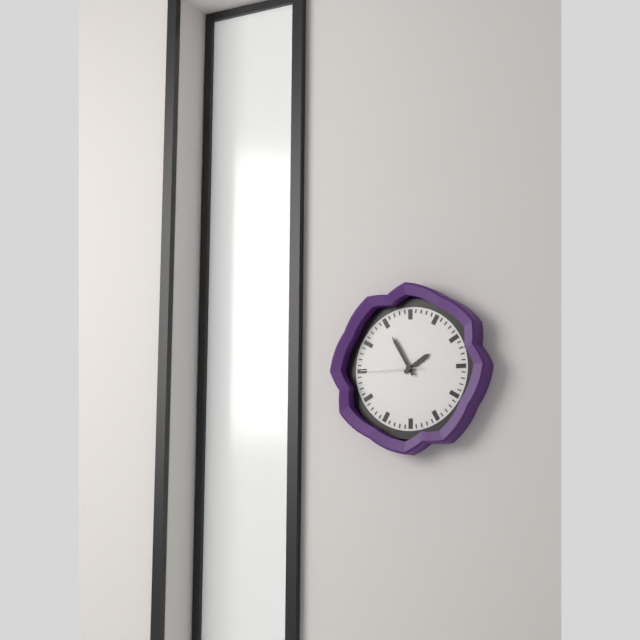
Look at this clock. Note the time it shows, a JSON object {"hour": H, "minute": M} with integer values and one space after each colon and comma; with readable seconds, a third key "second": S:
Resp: {"hour": 1, "minute": 55, "second": 45}
